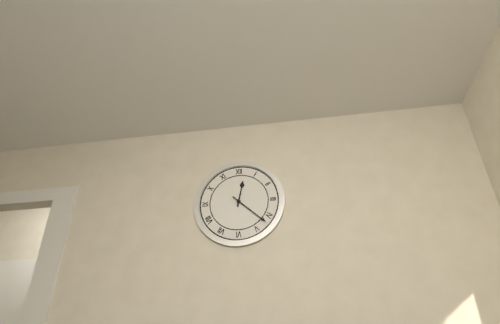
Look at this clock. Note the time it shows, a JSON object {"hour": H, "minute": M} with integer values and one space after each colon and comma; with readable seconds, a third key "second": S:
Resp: {"hour": 12, "minute": 22}
